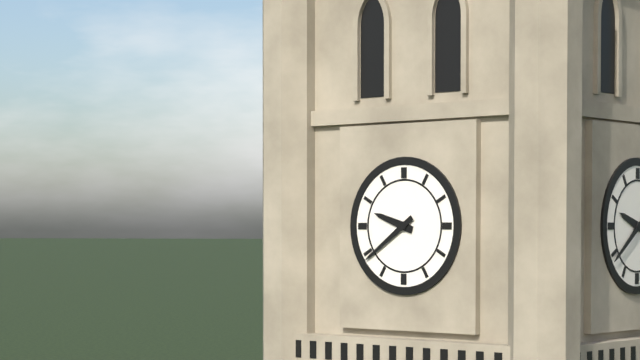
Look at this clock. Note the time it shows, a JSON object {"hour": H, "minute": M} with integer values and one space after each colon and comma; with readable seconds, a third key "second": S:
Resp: {"hour": 9, "minute": 39}
